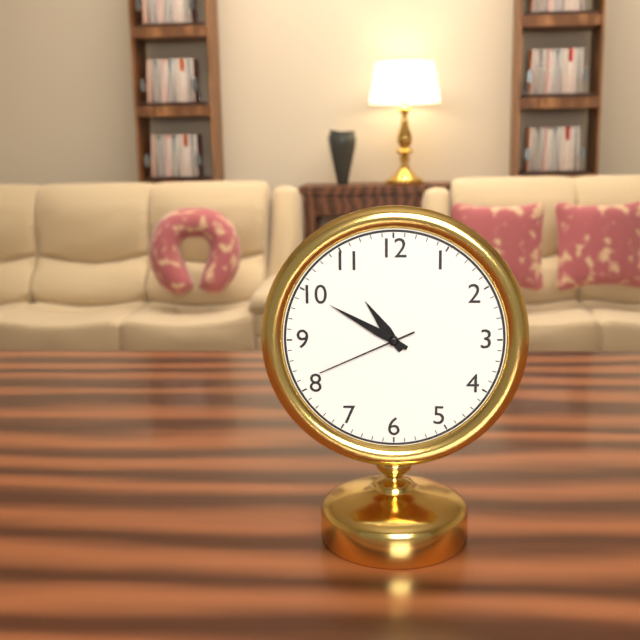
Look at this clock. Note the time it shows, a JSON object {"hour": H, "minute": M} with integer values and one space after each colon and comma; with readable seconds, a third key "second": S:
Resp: {"hour": 10, "minute": 50, "second": 41}
